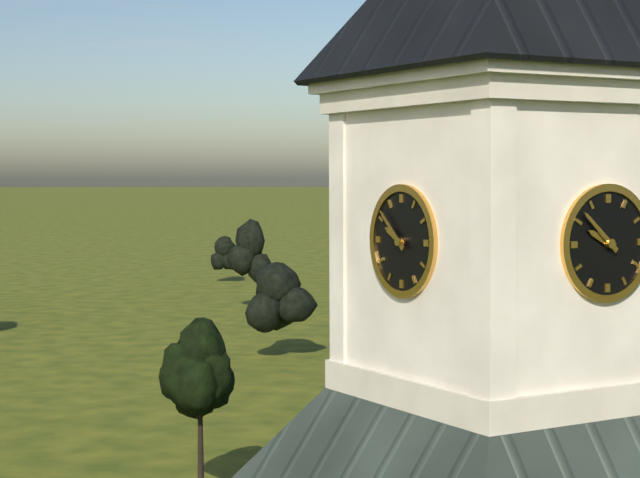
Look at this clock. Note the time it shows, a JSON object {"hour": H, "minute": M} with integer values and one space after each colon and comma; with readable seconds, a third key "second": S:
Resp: {"hour": 9, "minute": 52}
